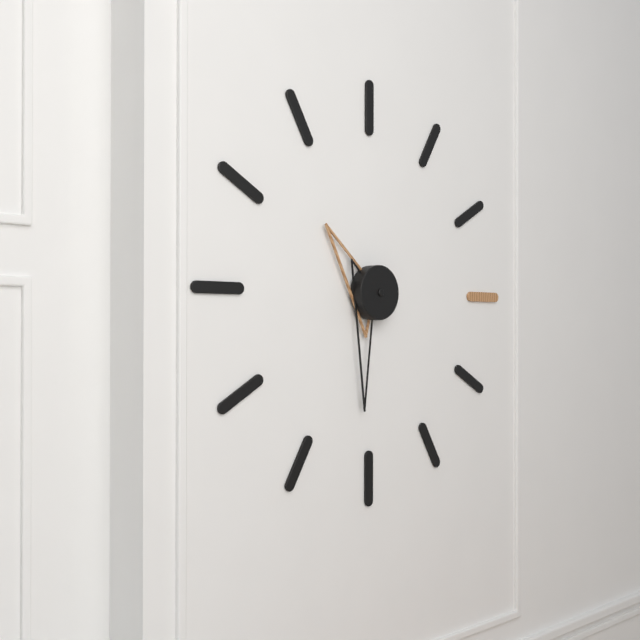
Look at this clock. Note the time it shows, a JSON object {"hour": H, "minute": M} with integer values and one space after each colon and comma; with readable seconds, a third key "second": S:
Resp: {"hour": 10, "minute": 31}
